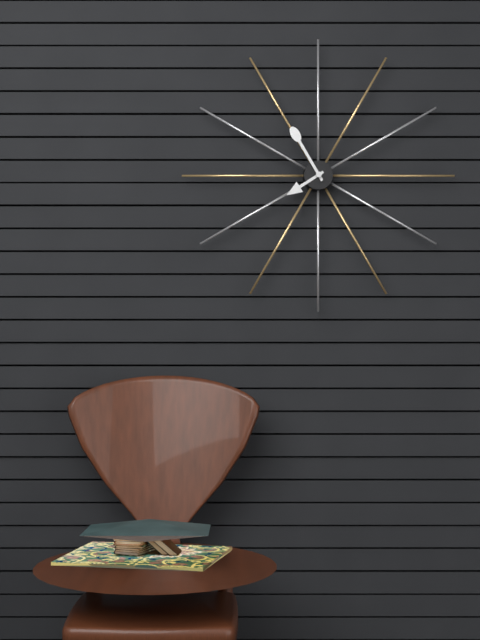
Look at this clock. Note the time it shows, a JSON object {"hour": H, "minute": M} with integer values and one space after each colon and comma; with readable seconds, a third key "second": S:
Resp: {"hour": 7, "minute": 55}
